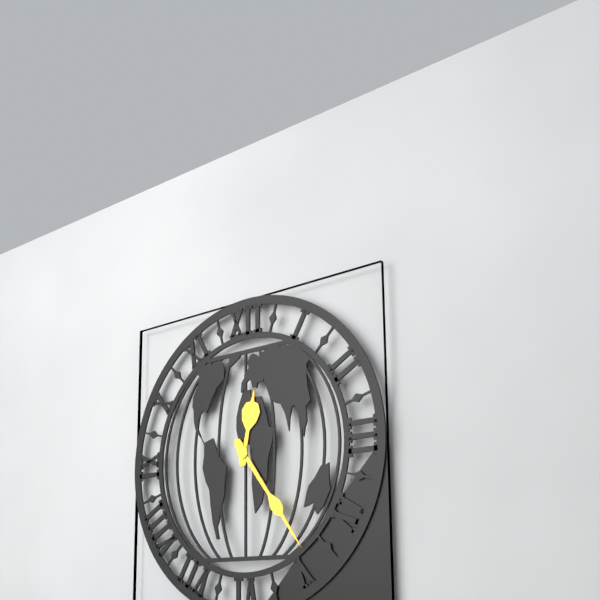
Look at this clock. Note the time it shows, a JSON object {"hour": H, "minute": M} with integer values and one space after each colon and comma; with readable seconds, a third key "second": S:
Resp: {"hour": 12, "minute": 24}
